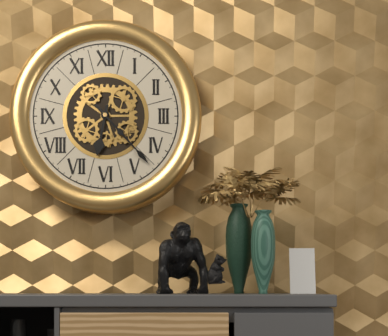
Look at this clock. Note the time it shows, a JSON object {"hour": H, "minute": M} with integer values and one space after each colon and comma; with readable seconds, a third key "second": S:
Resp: {"hour": 6, "minute": 23}
